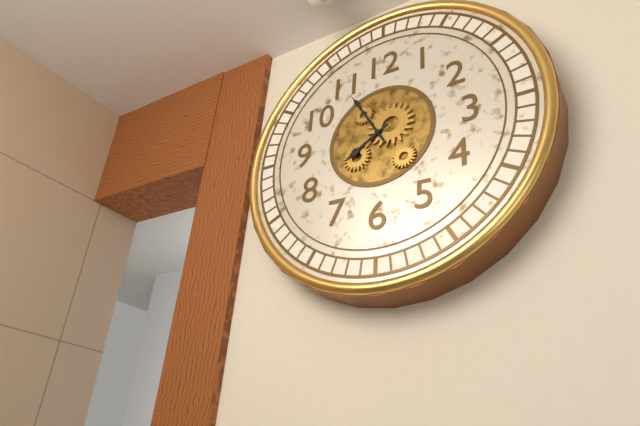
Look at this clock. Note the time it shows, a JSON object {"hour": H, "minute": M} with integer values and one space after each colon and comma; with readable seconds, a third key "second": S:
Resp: {"hour": 7, "minute": 55}
